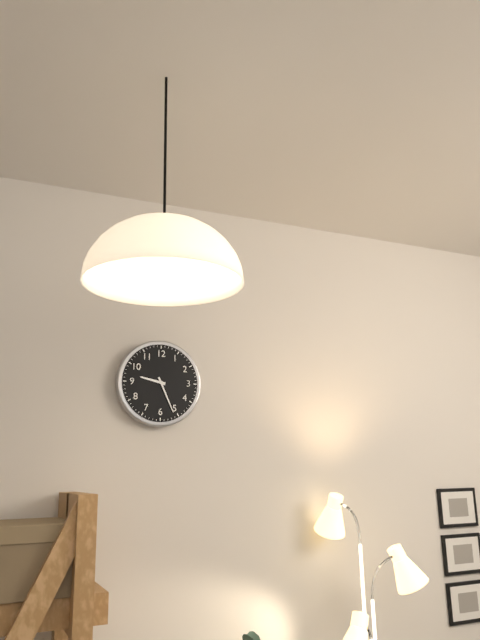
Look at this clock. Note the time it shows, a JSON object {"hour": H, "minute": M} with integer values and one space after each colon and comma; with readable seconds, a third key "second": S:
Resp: {"hour": 9, "minute": 26}
